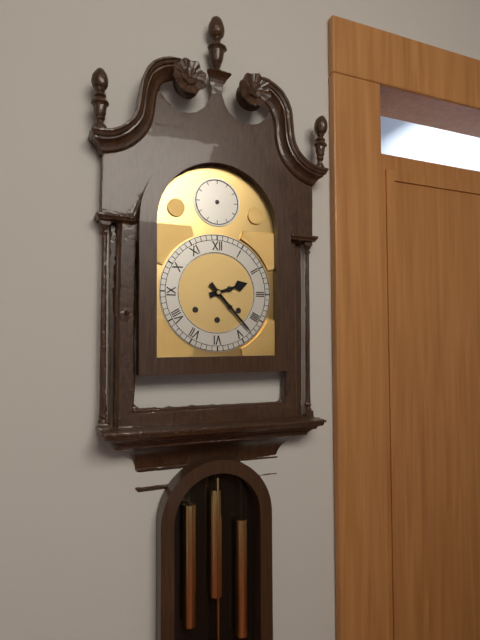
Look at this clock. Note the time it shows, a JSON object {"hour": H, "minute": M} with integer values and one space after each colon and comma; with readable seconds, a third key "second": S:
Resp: {"hour": 2, "minute": 23}
